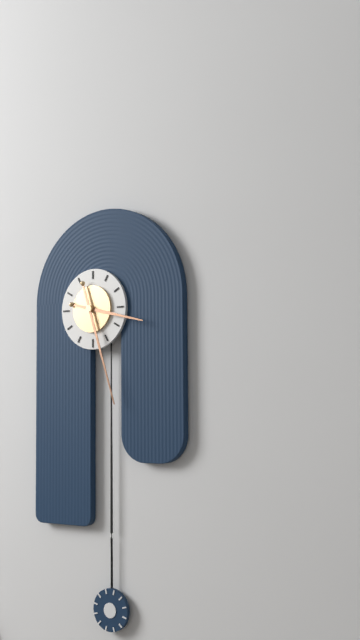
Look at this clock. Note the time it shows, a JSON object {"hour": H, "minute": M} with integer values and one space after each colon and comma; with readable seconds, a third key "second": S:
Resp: {"hour": 3, "minute": 27}
